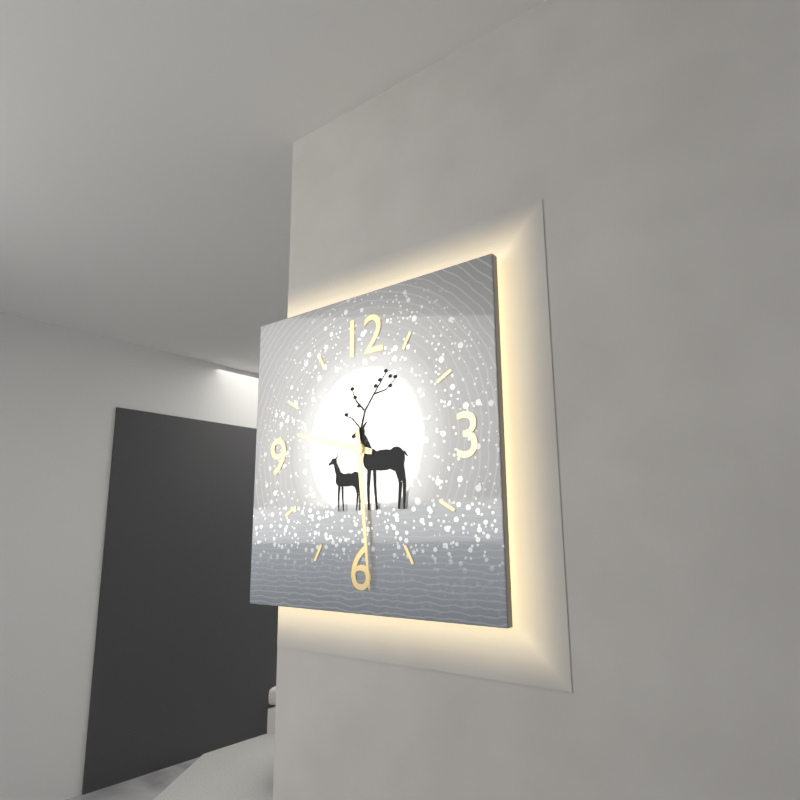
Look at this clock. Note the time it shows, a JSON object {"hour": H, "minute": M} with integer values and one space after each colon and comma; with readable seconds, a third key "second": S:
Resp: {"hour": 9, "minute": 29}
